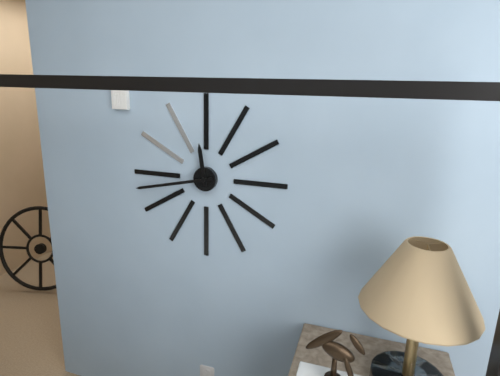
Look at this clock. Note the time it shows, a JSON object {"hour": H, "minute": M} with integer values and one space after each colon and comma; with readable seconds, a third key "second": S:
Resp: {"hour": 11, "minute": 43}
